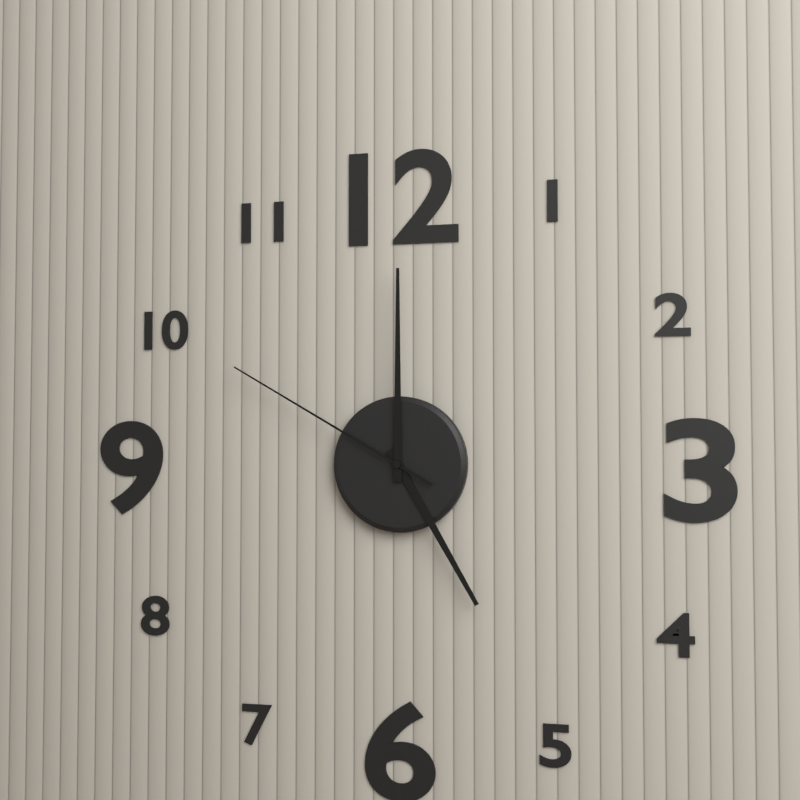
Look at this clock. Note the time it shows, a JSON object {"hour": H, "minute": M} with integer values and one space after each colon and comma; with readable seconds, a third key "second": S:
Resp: {"hour": 5, "minute": 0, "second": 50}
